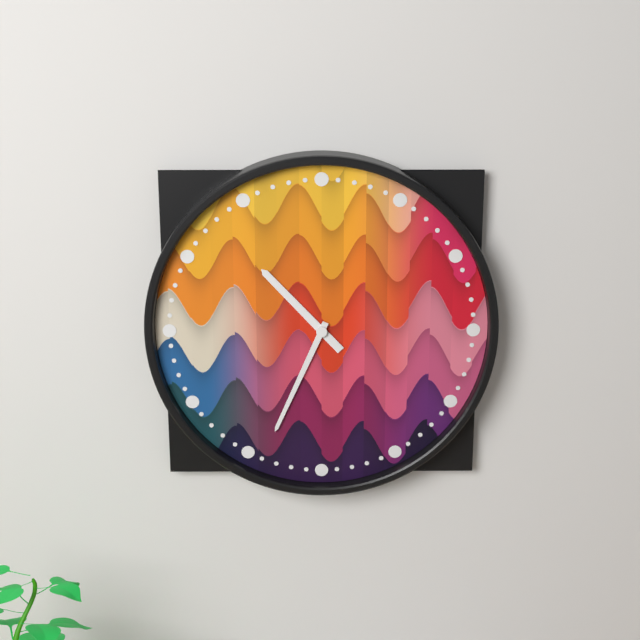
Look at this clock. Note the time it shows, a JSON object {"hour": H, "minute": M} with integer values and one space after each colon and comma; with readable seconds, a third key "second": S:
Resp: {"hour": 10, "minute": 34}
